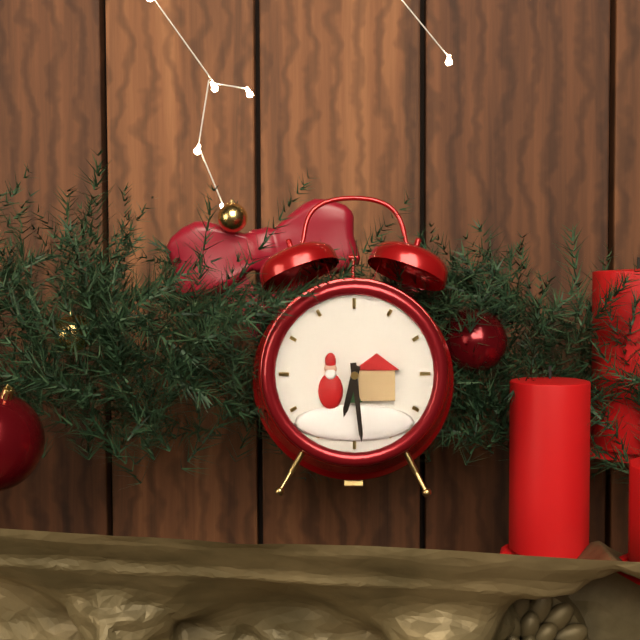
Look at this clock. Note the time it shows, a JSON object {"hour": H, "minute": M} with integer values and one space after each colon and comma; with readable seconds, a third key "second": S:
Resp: {"hour": 6, "minute": 29}
